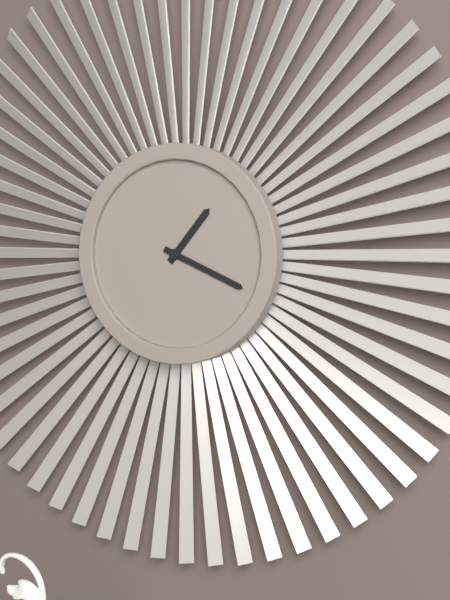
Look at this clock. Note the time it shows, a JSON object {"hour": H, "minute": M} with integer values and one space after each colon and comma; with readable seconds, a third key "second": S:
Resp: {"hour": 1, "minute": 19}
